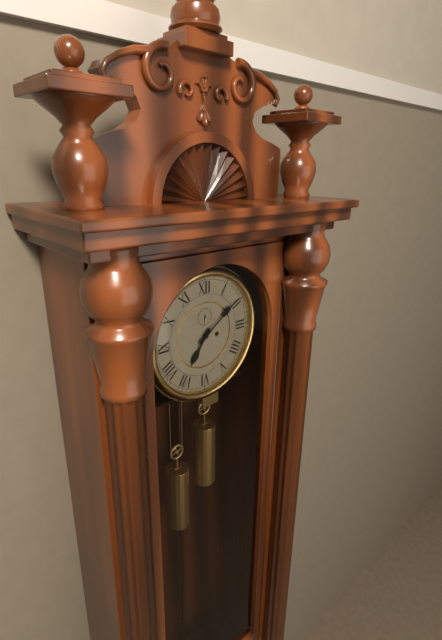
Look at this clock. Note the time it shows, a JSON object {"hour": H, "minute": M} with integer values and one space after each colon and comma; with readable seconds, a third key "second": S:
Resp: {"hour": 7, "minute": 9}
